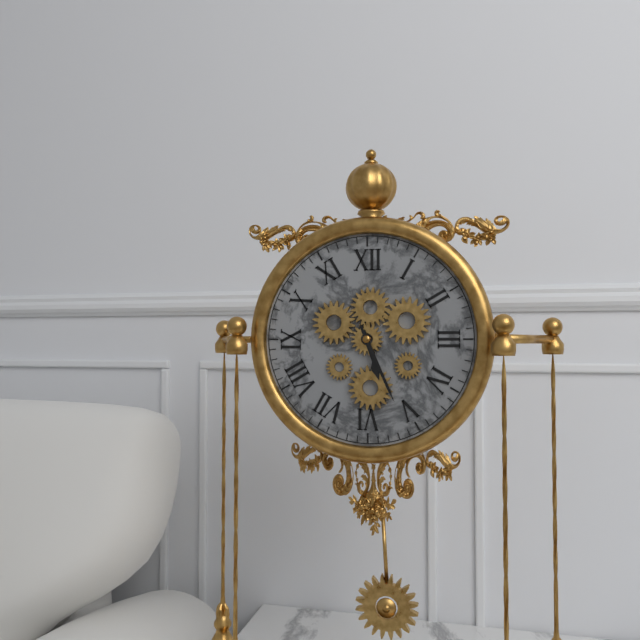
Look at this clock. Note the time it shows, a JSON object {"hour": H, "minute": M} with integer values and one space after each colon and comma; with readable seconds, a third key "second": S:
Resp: {"hour": 5, "minute": 26}
